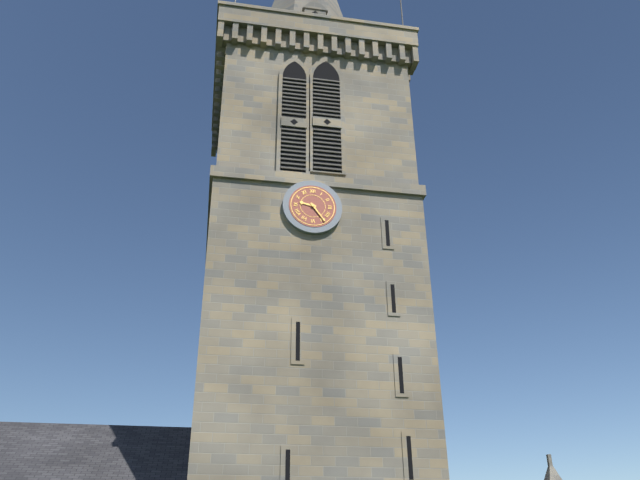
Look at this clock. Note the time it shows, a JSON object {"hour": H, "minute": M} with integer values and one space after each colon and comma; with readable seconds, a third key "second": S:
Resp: {"hour": 9, "minute": 24}
